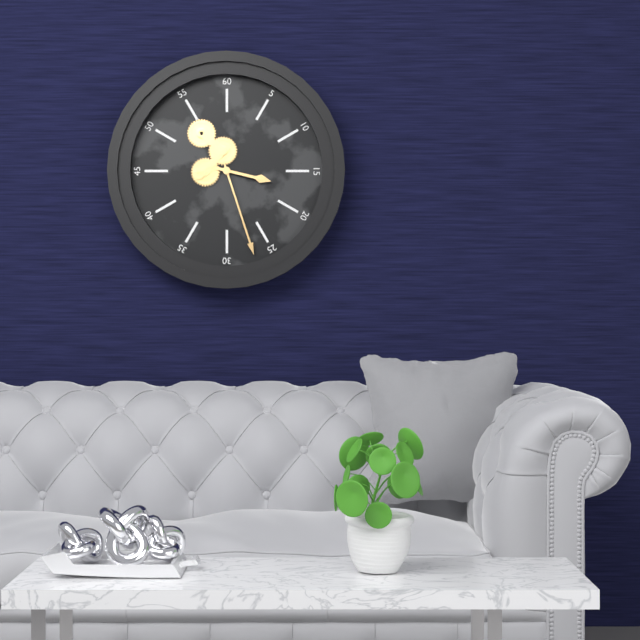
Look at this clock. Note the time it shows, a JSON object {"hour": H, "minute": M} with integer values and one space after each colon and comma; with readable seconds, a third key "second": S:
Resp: {"hour": 3, "minute": 27}
